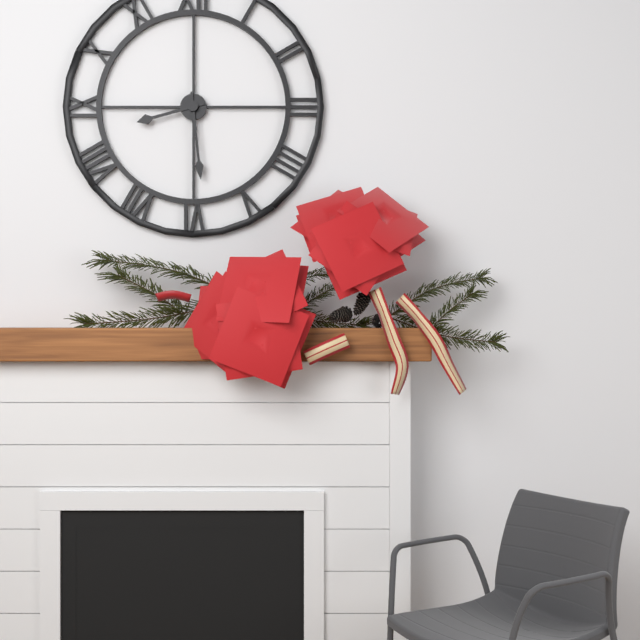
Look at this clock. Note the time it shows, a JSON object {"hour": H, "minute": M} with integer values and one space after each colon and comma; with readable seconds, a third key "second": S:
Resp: {"hour": 8, "minute": 29}
